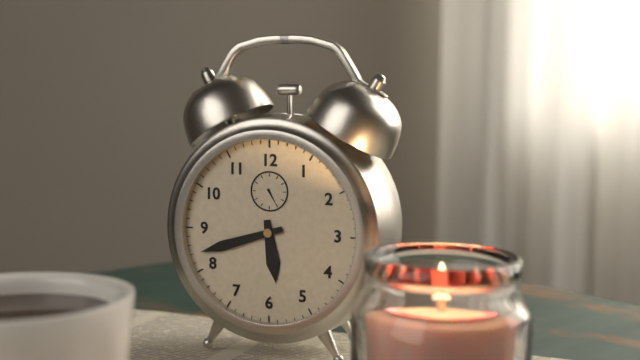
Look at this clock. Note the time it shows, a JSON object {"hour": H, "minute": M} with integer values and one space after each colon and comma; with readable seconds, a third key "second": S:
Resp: {"hour": 5, "minute": 42}
